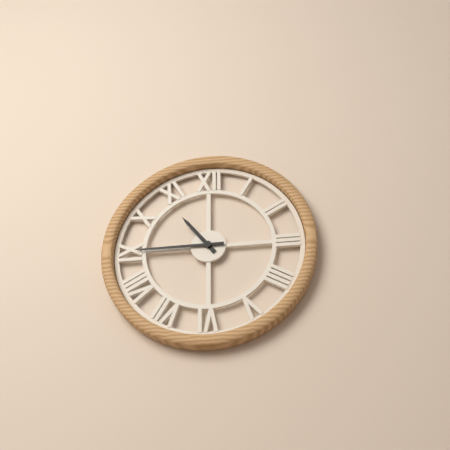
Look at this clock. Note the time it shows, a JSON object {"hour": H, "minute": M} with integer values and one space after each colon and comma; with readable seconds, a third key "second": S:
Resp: {"hour": 10, "minute": 45}
